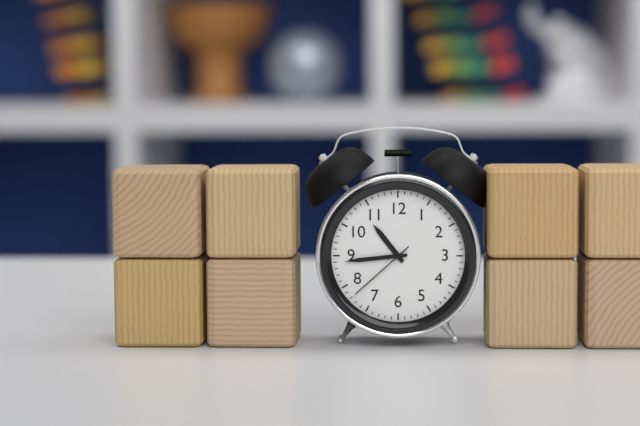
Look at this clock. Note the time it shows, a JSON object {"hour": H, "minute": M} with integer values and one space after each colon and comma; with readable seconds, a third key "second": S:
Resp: {"hour": 10, "minute": 44, "second": 38}
